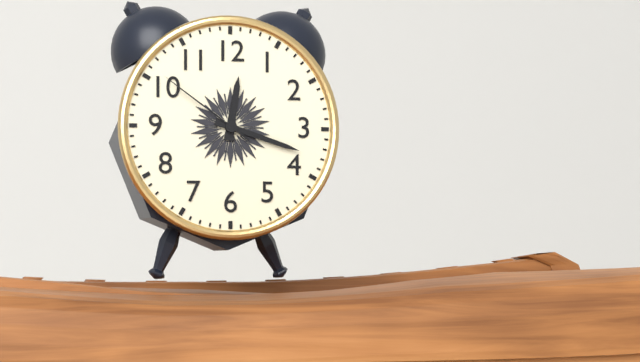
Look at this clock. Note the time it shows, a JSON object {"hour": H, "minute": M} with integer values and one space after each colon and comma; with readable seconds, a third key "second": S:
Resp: {"hour": 12, "minute": 18, "second": 51}
